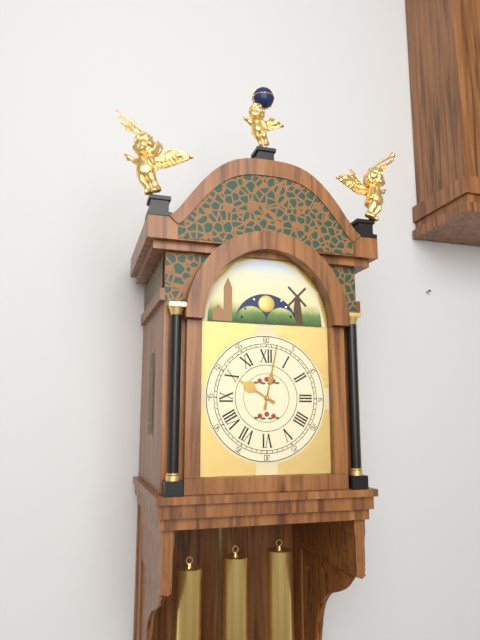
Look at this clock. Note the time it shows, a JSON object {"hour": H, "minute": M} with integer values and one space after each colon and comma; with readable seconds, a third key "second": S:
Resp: {"hour": 10, "minute": 2}
